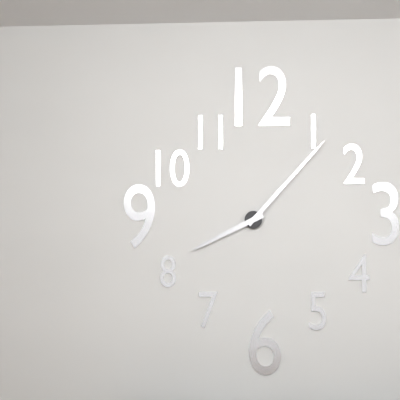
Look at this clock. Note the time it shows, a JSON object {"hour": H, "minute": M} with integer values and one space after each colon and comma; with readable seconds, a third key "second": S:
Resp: {"hour": 8, "minute": 7}
